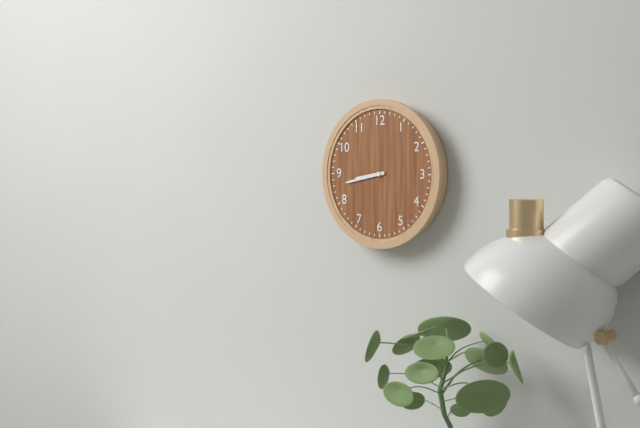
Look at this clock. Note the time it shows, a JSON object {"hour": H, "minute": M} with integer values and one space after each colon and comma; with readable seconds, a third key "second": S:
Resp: {"hour": 8, "minute": 43}
